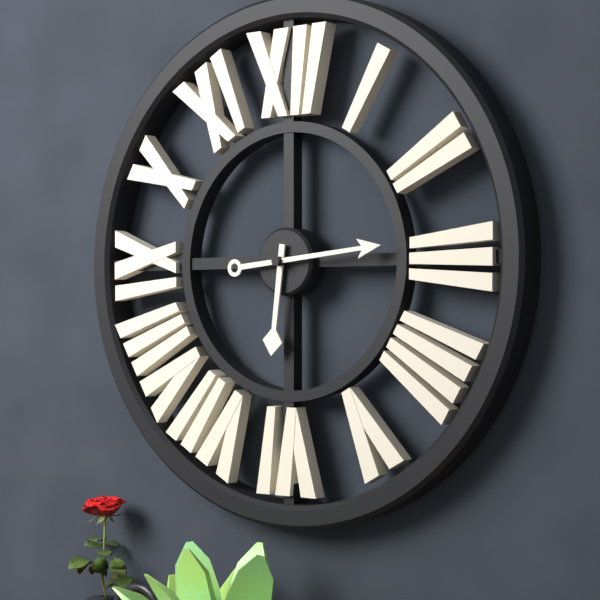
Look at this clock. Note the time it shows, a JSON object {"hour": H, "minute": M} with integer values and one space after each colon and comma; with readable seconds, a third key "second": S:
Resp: {"hour": 6, "minute": 14}
